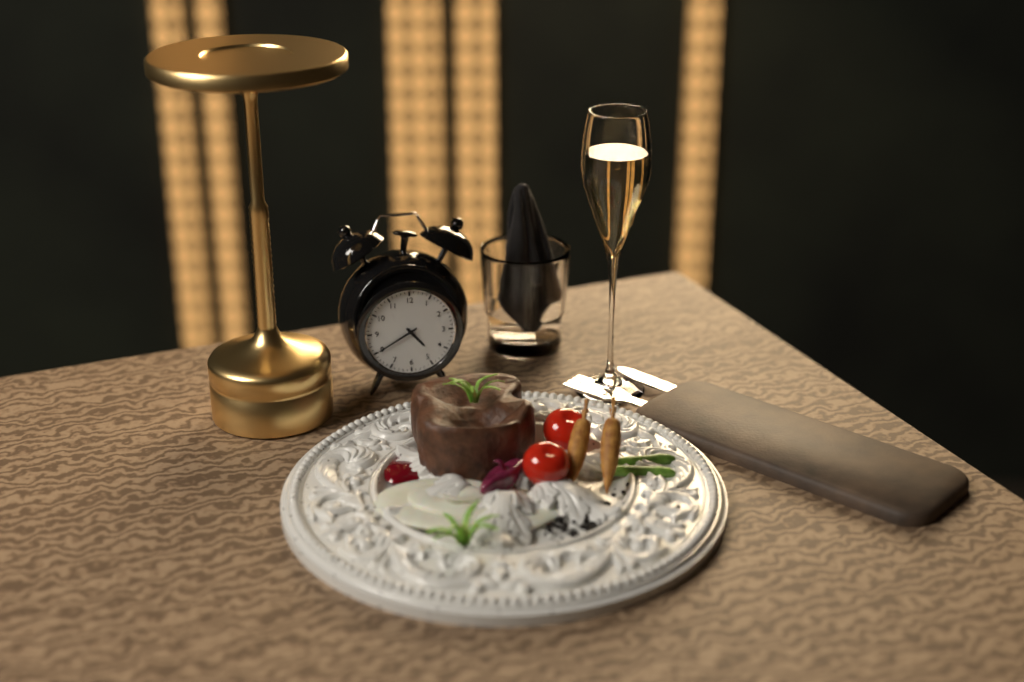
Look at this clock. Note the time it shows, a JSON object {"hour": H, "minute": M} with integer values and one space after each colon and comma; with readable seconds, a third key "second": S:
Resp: {"hour": 4, "minute": 40}
